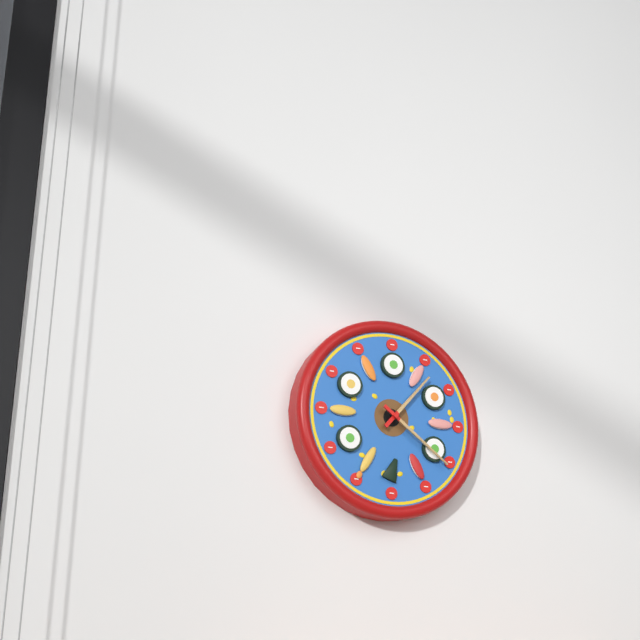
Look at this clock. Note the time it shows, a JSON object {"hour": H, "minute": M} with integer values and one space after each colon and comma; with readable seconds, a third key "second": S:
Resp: {"hour": 1, "minute": 21}
